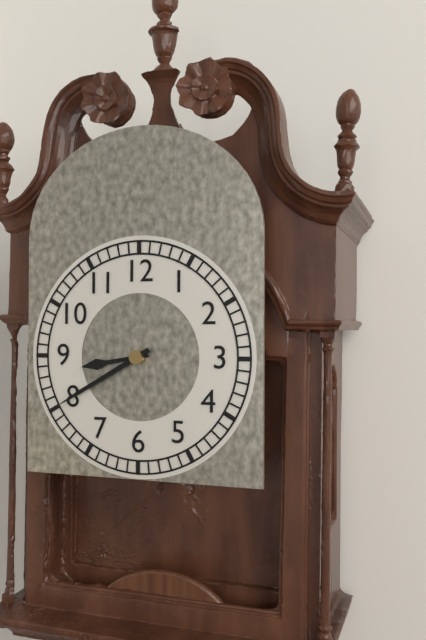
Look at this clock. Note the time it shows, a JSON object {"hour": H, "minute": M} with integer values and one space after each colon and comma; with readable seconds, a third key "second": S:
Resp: {"hour": 8, "minute": 40}
